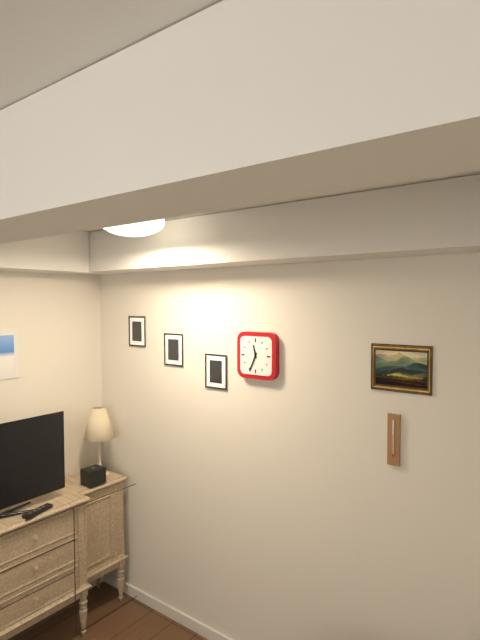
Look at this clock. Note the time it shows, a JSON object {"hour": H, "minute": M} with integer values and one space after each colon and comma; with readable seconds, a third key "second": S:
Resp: {"hour": 11, "minute": 34}
